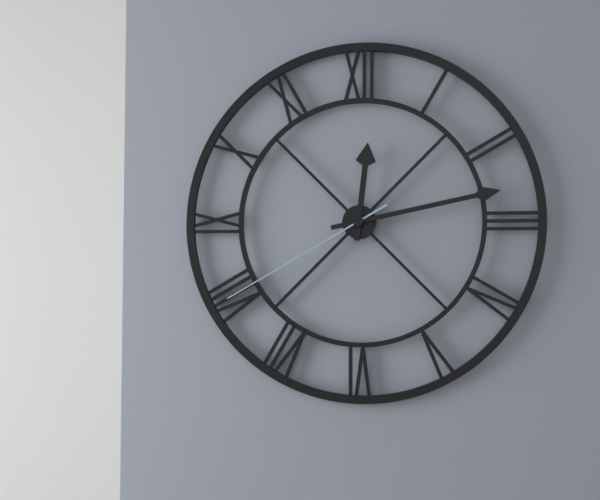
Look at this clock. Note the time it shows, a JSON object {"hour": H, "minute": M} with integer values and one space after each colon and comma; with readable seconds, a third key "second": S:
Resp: {"hour": 12, "minute": 13, "second": 40}
